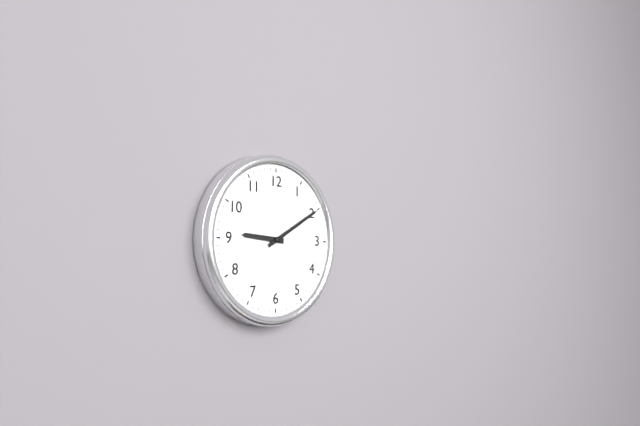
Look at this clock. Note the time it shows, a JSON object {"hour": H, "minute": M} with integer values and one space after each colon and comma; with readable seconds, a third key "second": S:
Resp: {"hour": 9, "minute": 10}
